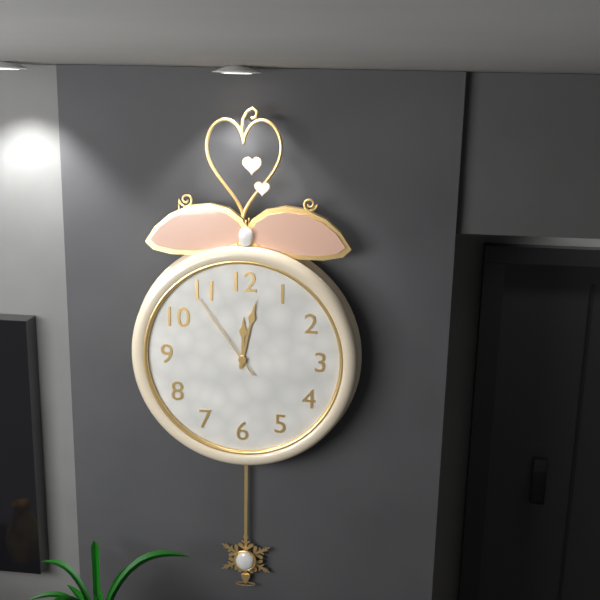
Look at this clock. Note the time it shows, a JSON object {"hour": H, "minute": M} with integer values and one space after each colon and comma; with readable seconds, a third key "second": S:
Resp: {"hour": 12, "minute": 2, "second": 54}
